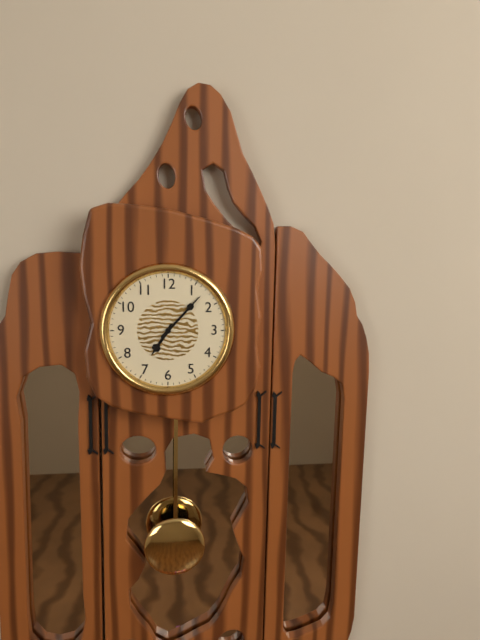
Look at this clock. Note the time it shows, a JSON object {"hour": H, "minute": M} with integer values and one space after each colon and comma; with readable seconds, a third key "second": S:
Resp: {"hour": 7, "minute": 7}
